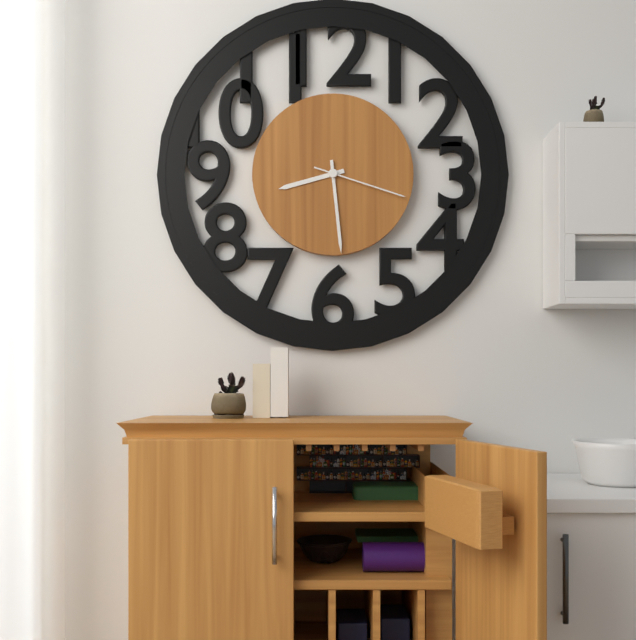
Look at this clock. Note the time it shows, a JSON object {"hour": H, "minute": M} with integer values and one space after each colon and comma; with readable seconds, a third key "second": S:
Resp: {"hour": 8, "minute": 29, "second": 18}
